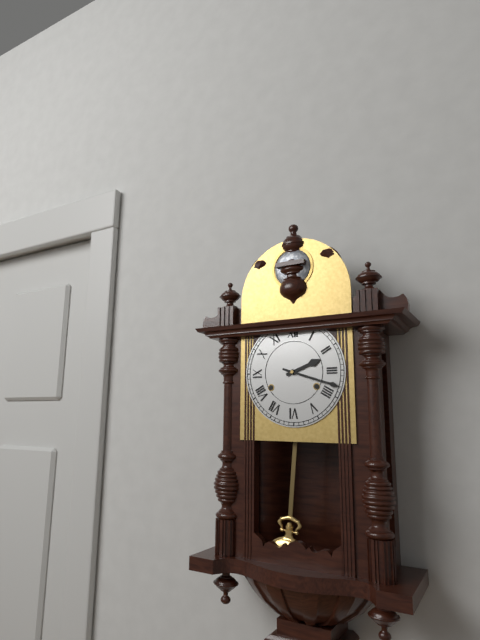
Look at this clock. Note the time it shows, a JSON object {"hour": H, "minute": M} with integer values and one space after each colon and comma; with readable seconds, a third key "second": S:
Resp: {"hour": 2, "minute": 18}
